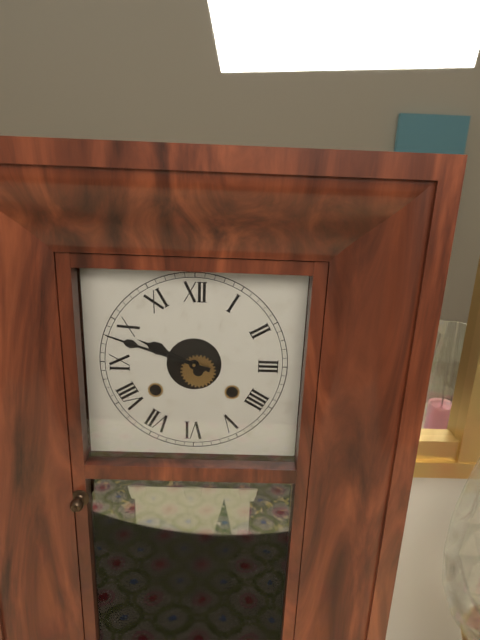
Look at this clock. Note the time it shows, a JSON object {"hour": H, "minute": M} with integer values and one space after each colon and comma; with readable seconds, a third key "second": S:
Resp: {"hour": 9, "minute": 48}
